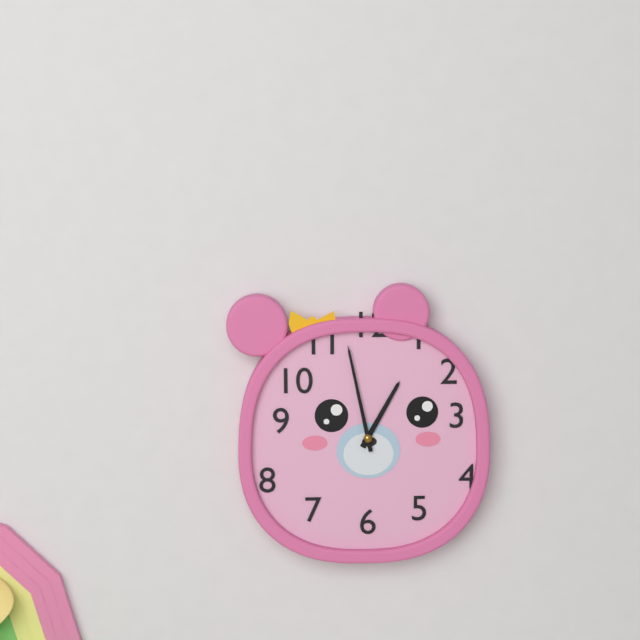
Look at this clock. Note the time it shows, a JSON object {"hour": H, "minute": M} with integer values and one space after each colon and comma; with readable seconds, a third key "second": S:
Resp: {"hour": 12, "minute": 58}
